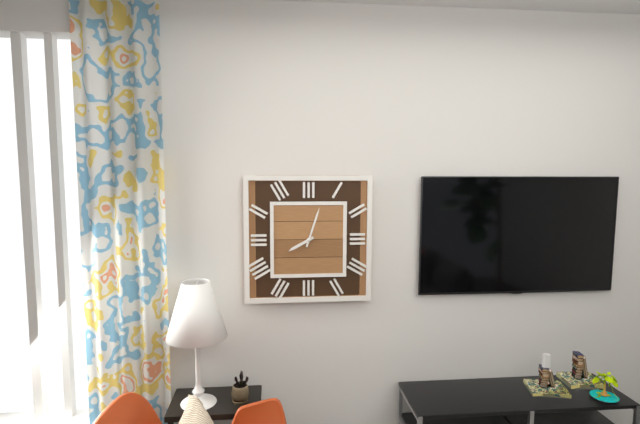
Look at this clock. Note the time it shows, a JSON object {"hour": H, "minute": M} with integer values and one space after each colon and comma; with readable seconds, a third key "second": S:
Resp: {"hour": 8, "minute": 3}
